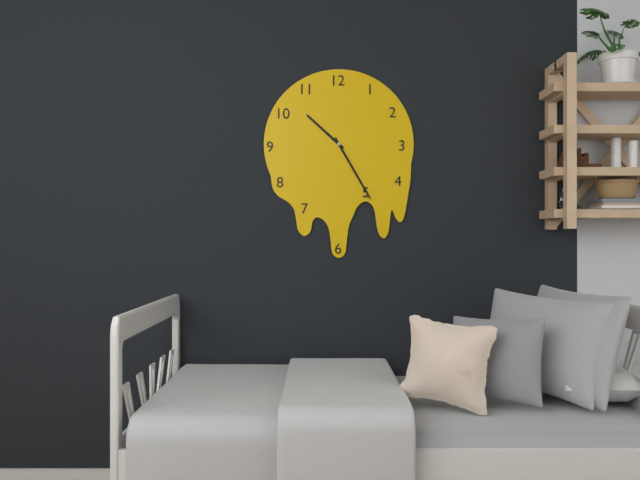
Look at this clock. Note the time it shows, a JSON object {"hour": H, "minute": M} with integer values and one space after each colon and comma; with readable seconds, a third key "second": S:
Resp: {"hour": 10, "minute": 25}
